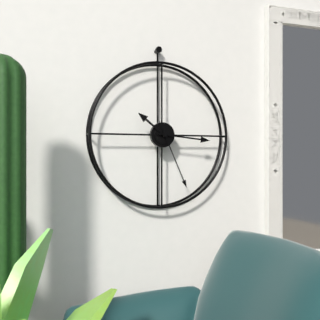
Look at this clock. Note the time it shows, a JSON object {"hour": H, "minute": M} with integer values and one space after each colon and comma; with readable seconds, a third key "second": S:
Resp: {"hour": 10, "minute": 16, "second": 26}
